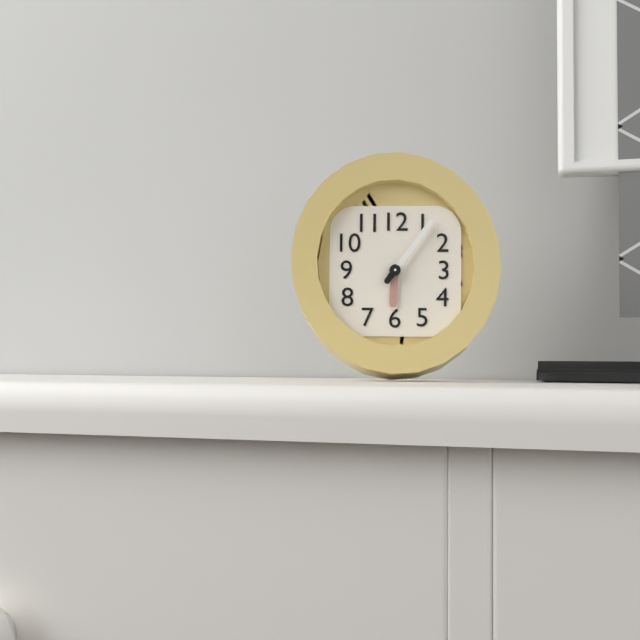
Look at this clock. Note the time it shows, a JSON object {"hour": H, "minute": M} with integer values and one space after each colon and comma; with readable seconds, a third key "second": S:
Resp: {"hour": 6, "minute": 6}
